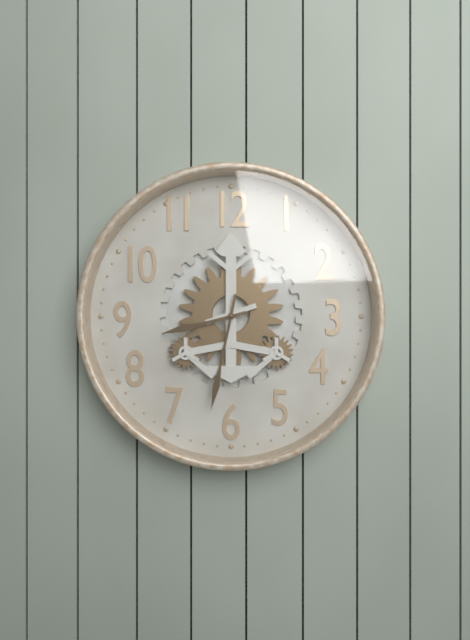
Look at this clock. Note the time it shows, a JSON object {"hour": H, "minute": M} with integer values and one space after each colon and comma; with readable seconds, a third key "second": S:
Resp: {"hour": 8, "minute": 32}
